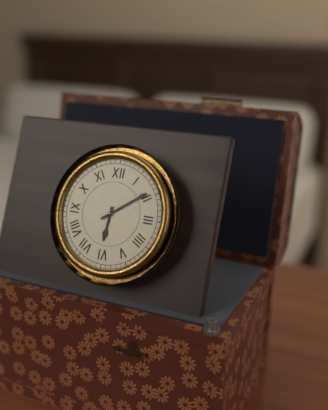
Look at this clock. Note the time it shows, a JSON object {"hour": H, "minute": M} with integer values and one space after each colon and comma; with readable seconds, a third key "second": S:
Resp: {"hour": 6, "minute": 9}
